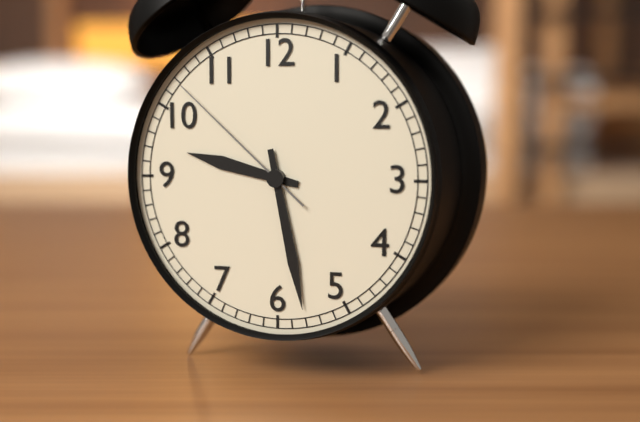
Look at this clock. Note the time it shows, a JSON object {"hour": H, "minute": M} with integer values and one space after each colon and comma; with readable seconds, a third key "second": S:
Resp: {"hour": 9, "minute": 28, "second": 52}
